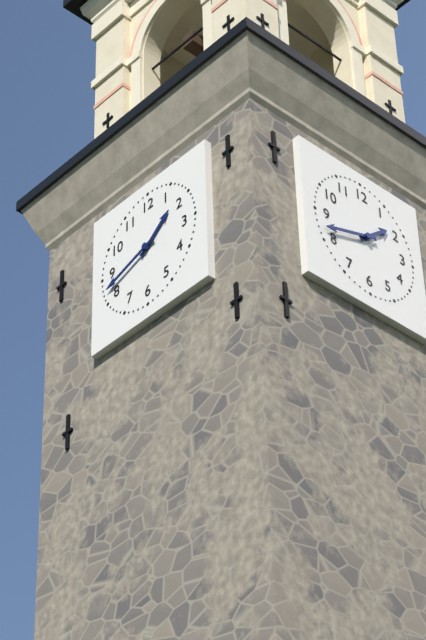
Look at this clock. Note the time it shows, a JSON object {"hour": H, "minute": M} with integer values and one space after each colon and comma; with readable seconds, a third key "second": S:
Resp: {"hour": 1, "minute": 42}
